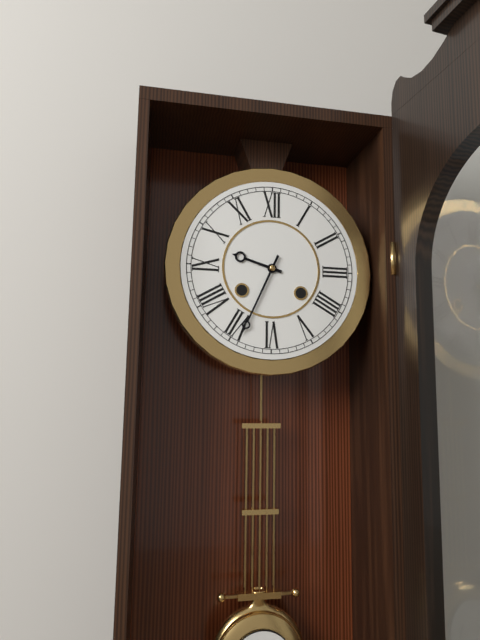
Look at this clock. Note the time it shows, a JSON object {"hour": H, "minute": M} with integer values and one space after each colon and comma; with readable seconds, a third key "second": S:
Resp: {"hour": 9, "minute": 34}
